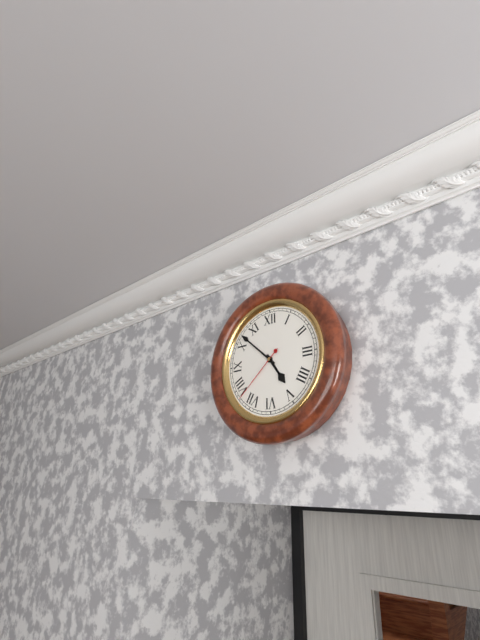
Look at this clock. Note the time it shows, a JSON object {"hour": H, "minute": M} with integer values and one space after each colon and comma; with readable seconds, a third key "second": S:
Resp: {"hour": 4, "minute": 52, "second": 38}
